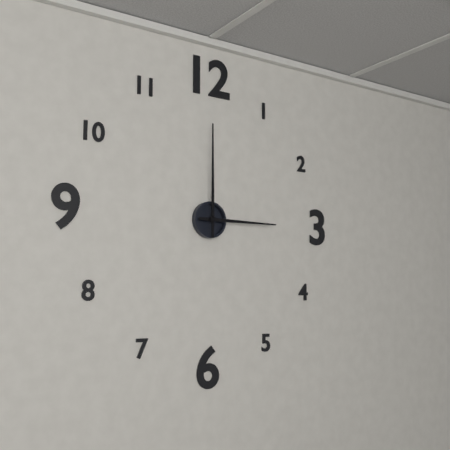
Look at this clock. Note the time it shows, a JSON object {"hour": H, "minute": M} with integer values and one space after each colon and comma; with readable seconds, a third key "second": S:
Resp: {"hour": 3, "minute": 0}
